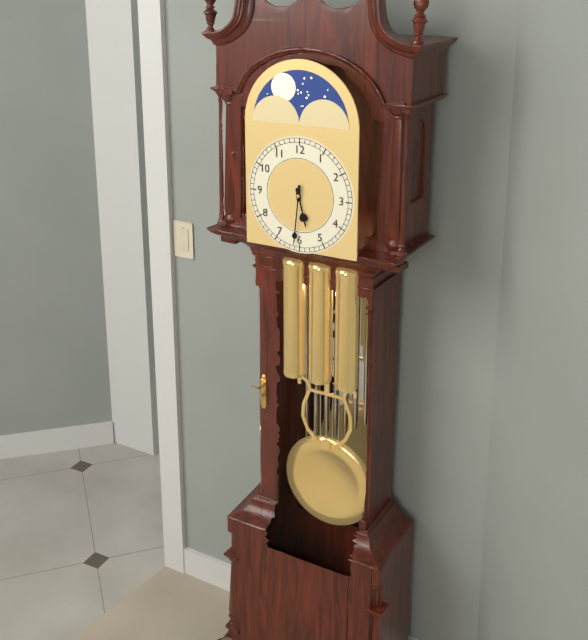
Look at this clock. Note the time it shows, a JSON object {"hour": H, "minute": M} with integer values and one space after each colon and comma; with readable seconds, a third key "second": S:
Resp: {"hour": 5, "minute": 31}
